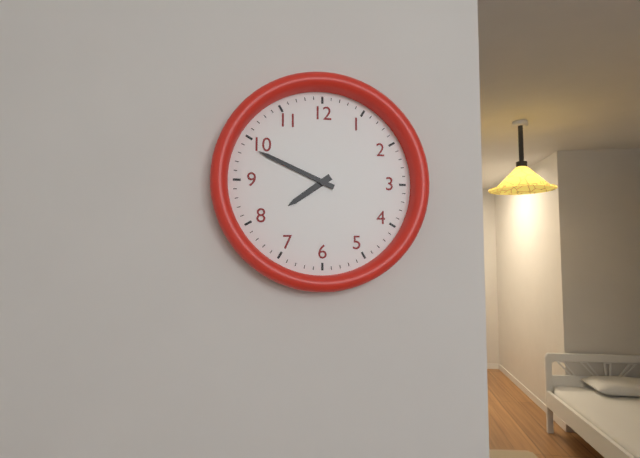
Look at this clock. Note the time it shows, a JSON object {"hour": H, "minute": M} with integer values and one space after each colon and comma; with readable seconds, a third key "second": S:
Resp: {"hour": 7, "minute": 49}
